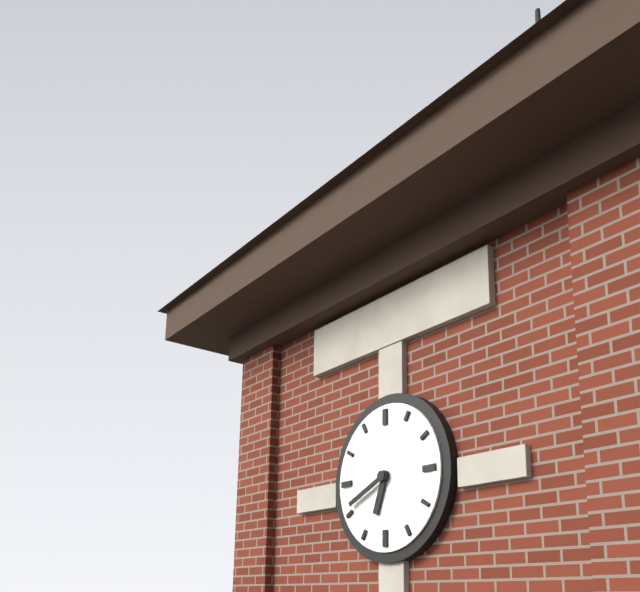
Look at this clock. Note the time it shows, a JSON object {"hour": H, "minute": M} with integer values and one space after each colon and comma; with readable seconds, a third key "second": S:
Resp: {"hour": 6, "minute": 41}
